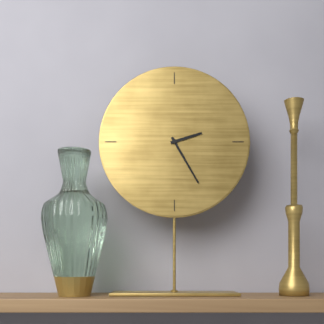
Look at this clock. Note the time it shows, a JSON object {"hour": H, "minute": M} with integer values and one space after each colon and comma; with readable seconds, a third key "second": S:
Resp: {"hour": 2, "minute": 25}
